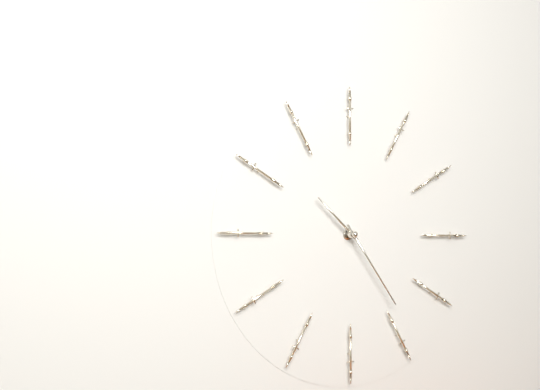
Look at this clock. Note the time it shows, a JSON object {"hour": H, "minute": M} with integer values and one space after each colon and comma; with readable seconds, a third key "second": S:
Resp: {"hour": 10, "minute": 24}
